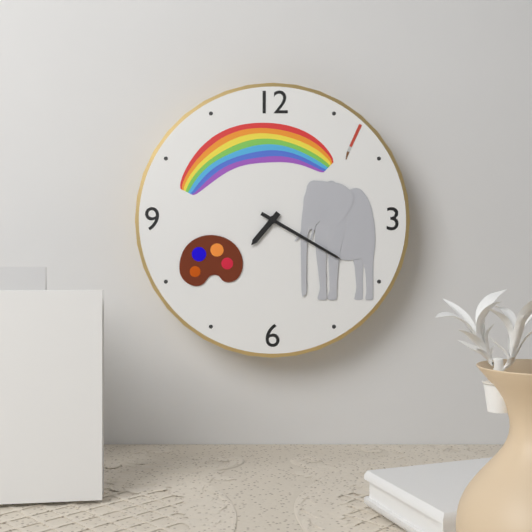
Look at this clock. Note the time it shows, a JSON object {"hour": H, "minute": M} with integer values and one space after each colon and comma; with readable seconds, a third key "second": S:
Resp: {"hour": 7, "minute": 20}
